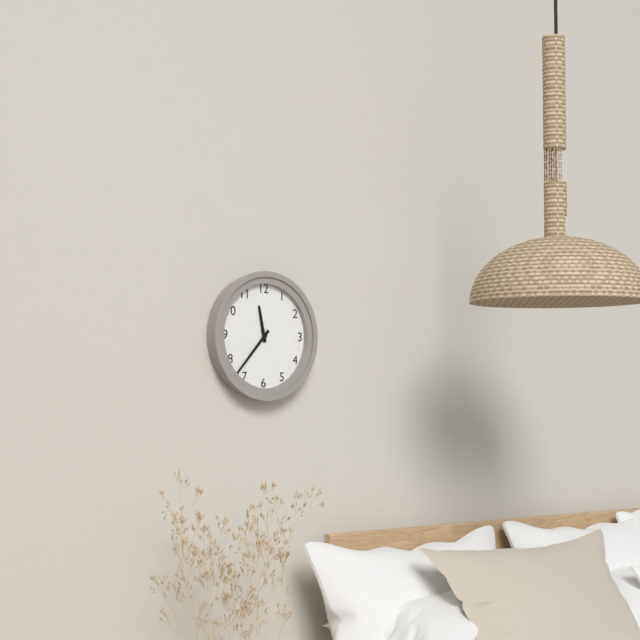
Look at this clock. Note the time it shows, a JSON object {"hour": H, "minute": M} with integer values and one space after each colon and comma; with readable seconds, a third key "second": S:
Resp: {"hour": 11, "minute": 37}
